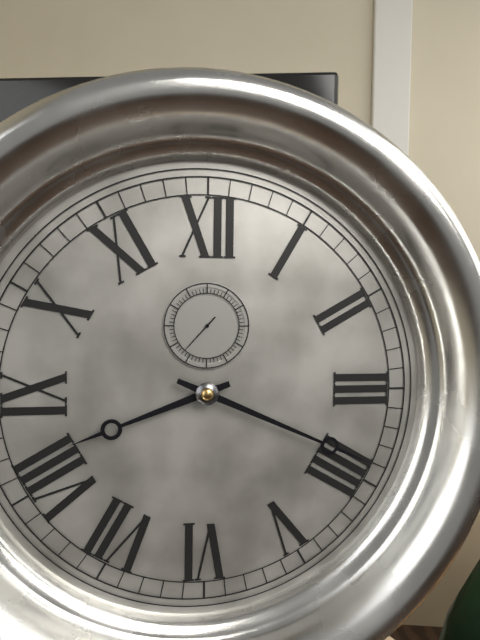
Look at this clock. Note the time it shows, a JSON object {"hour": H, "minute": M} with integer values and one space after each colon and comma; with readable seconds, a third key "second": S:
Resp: {"hour": 8, "minute": 19}
